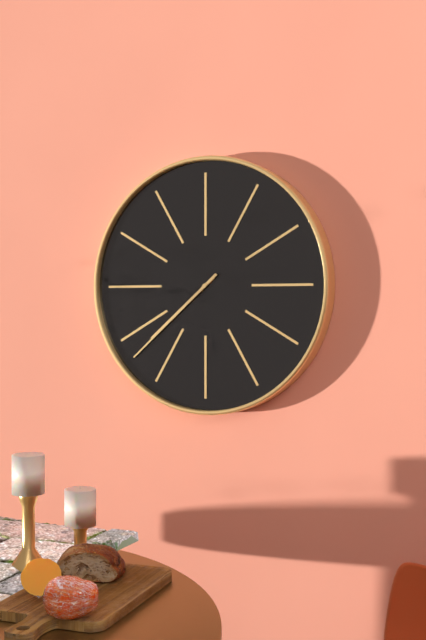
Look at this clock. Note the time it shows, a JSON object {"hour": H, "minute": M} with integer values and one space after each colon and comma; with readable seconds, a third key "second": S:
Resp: {"hour": 7, "minute": 38}
